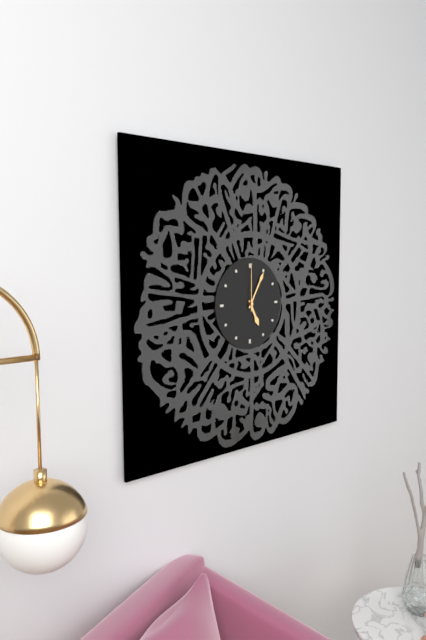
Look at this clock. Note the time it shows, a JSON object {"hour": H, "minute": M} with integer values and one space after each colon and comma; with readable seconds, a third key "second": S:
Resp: {"hour": 5, "minute": 5, "second": 0}
